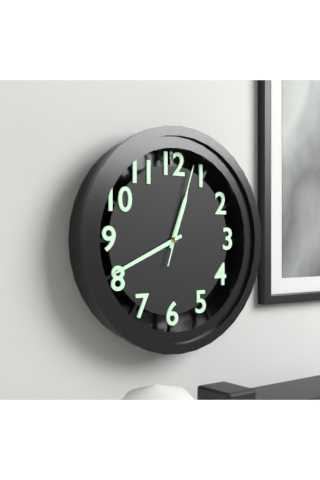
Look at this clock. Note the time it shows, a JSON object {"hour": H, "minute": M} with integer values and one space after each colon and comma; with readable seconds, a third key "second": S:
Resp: {"hour": 12, "minute": 41, "second": 3}
